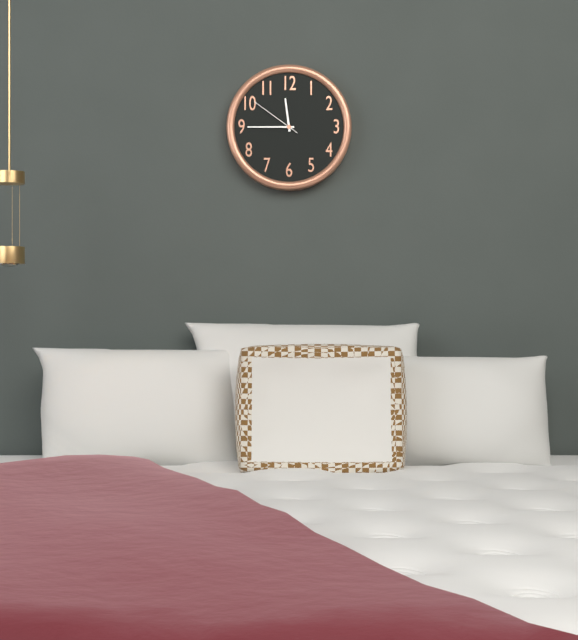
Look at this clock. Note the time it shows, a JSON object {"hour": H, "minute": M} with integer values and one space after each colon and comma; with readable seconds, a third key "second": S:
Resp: {"hour": 11, "minute": 45, "second": 51}
